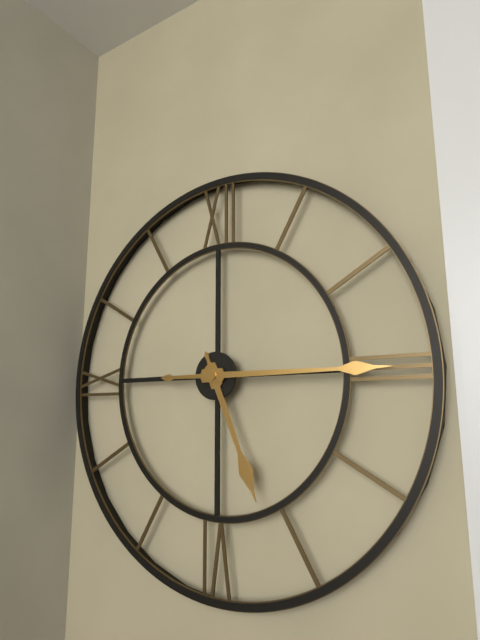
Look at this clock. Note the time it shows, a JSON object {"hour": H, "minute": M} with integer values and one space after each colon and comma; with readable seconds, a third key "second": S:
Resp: {"hour": 5, "minute": 15}
